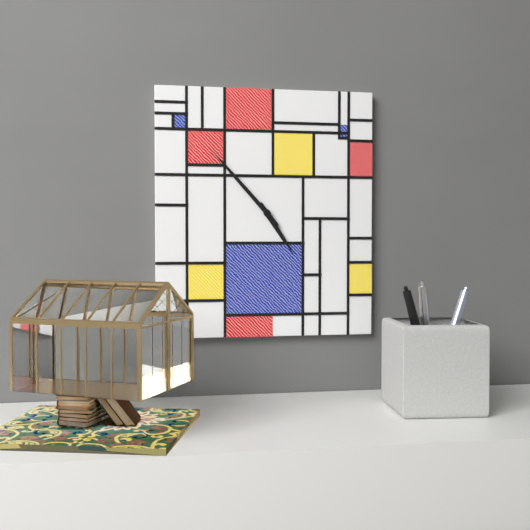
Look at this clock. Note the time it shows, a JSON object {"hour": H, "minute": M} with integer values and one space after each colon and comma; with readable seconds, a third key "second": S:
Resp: {"hour": 4, "minute": 53}
